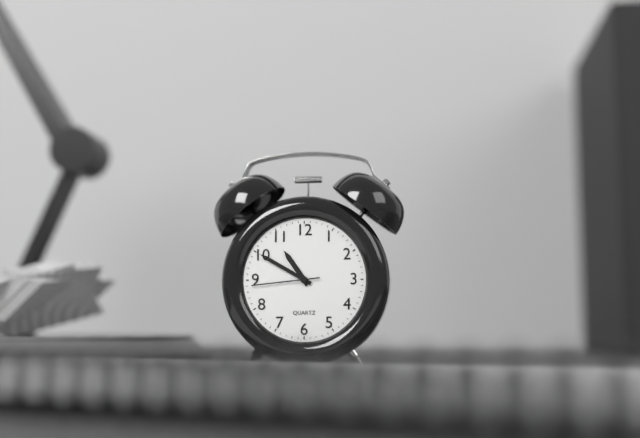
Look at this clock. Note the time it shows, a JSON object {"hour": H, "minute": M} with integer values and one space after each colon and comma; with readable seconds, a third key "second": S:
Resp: {"hour": 10, "minute": 50, "second": 44}
